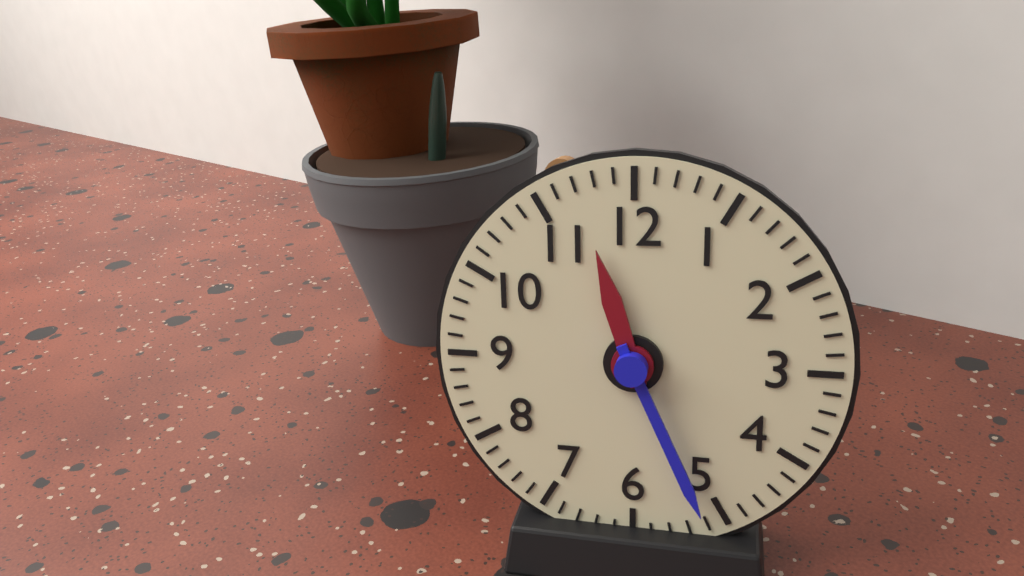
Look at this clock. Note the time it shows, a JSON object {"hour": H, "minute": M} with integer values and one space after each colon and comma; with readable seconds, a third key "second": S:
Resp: {"hour": 11, "minute": 26}
